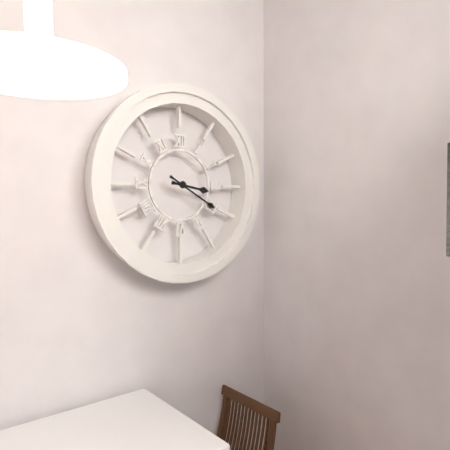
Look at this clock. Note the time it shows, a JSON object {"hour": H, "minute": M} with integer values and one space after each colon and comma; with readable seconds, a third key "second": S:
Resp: {"hour": 3, "minute": 20}
